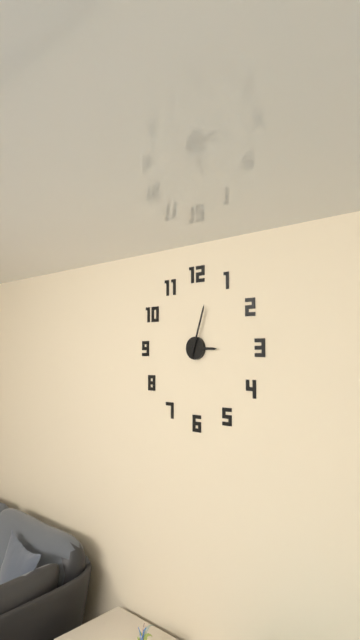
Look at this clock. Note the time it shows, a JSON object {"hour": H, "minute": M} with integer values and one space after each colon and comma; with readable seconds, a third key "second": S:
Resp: {"hour": 3, "minute": 3}
